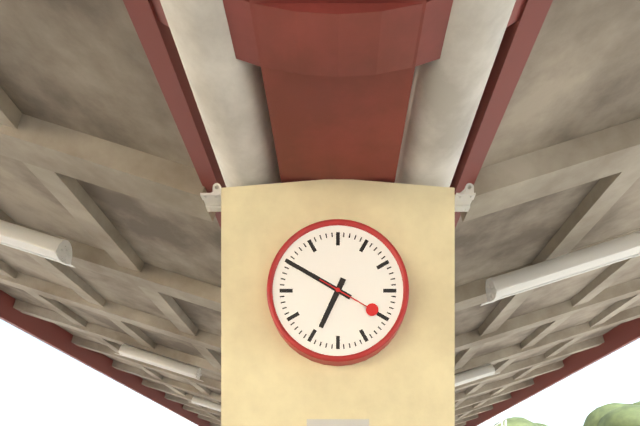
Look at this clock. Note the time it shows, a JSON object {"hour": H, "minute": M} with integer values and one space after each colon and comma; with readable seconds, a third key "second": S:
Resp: {"hour": 6, "minute": 50, "second": 20}
